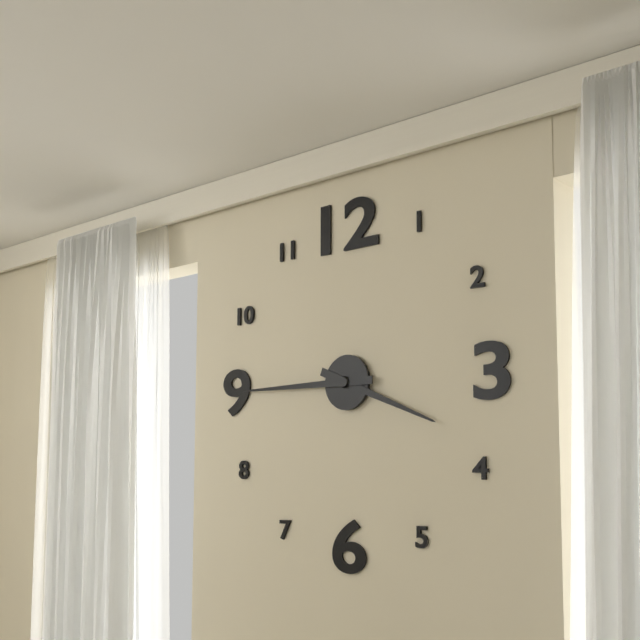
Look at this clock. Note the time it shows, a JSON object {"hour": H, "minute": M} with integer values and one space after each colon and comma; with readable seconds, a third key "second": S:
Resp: {"hour": 3, "minute": 45}
